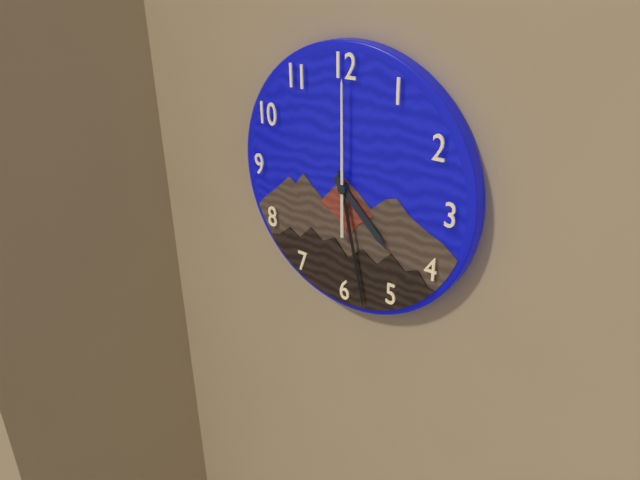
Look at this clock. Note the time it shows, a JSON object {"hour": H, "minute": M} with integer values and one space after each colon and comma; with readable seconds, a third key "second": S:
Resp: {"hour": 4, "minute": 28, "second": 0}
